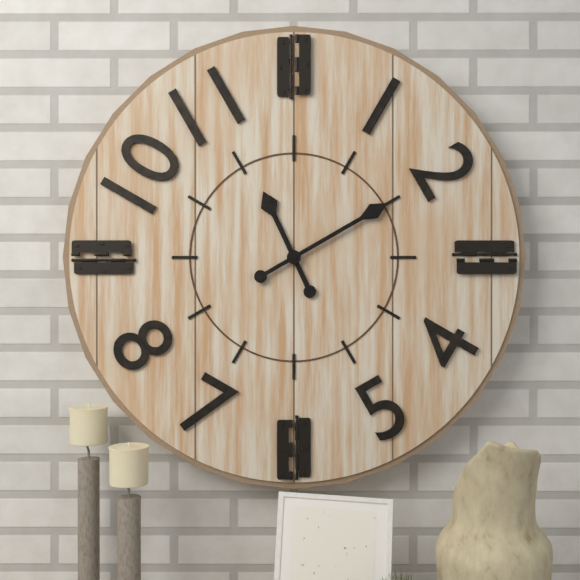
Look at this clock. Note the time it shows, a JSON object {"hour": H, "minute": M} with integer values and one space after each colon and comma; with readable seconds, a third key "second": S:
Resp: {"hour": 11, "minute": 10}
